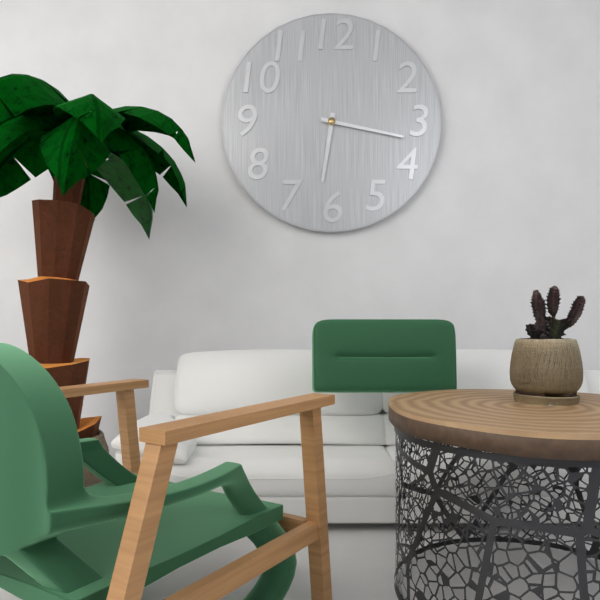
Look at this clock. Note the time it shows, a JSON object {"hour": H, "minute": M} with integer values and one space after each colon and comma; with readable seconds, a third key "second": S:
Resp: {"hour": 6, "minute": 17}
